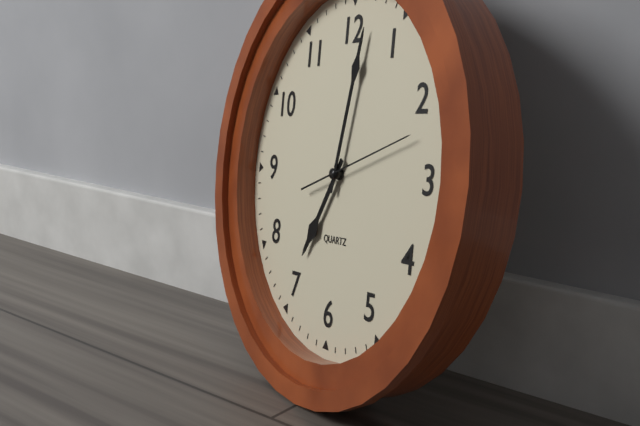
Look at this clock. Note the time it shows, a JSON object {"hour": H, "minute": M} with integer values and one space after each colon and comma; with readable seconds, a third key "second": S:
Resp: {"hour": 7, "minute": 2, "second": 12}
